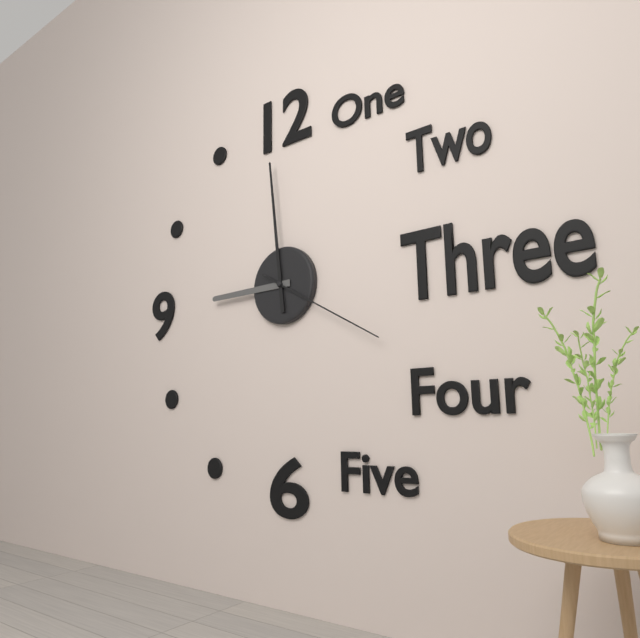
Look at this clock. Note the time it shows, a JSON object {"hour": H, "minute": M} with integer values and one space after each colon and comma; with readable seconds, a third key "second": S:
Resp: {"hour": 8, "minute": 59, "second": 20}
